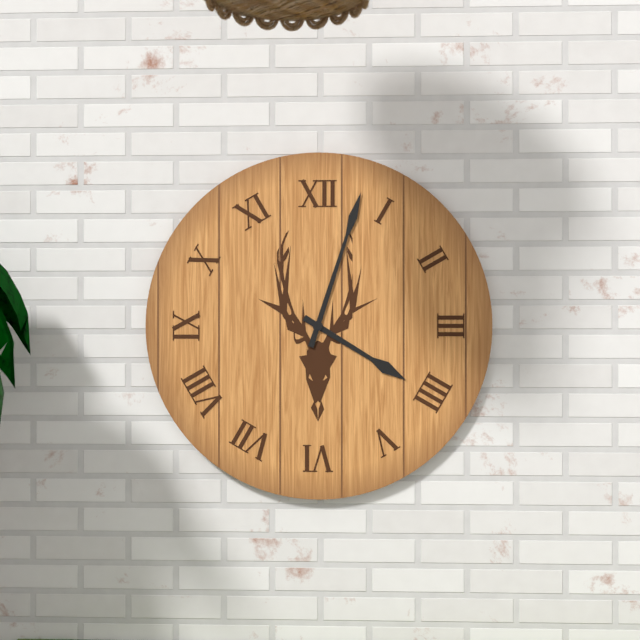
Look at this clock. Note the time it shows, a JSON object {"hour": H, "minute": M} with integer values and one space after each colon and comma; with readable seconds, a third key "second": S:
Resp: {"hour": 4, "minute": 3}
